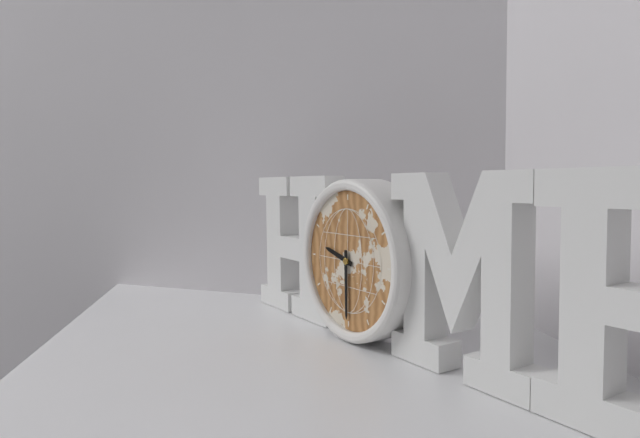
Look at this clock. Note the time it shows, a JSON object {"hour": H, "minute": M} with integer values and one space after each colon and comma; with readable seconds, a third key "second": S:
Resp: {"hour": 9, "minute": 30}
